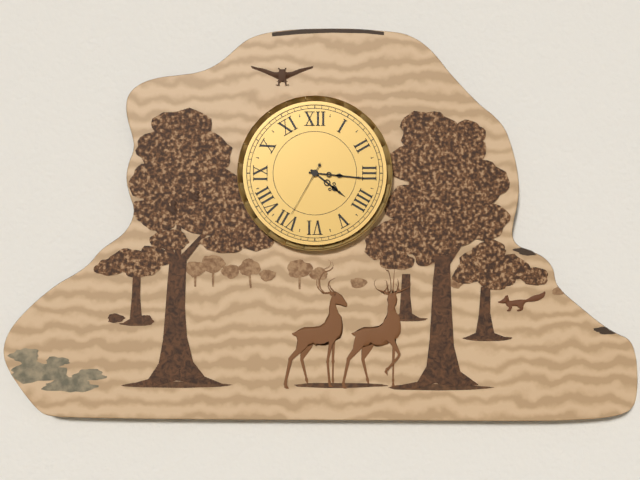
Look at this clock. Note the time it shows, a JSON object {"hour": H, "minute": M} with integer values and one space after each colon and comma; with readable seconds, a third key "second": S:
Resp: {"hour": 4, "minute": 16, "second": 35}
